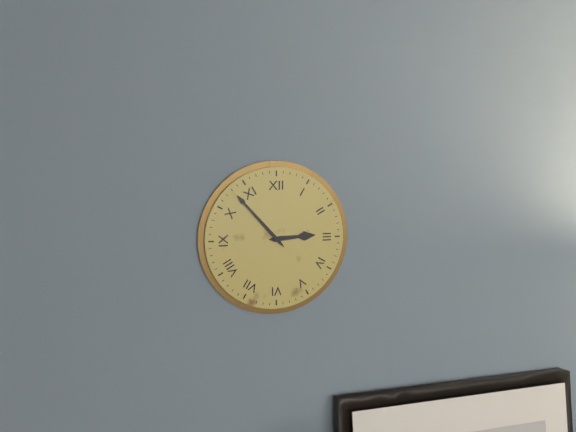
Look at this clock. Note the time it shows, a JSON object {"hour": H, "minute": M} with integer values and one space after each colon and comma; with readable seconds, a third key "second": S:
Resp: {"hour": 2, "minute": 53}
